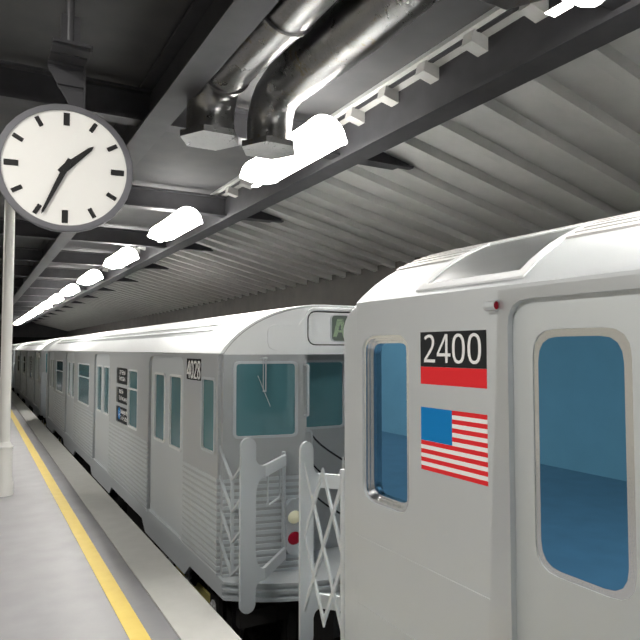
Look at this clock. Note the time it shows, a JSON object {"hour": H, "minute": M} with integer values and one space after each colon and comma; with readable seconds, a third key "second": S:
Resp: {"hour": 1, "minute": 34}
